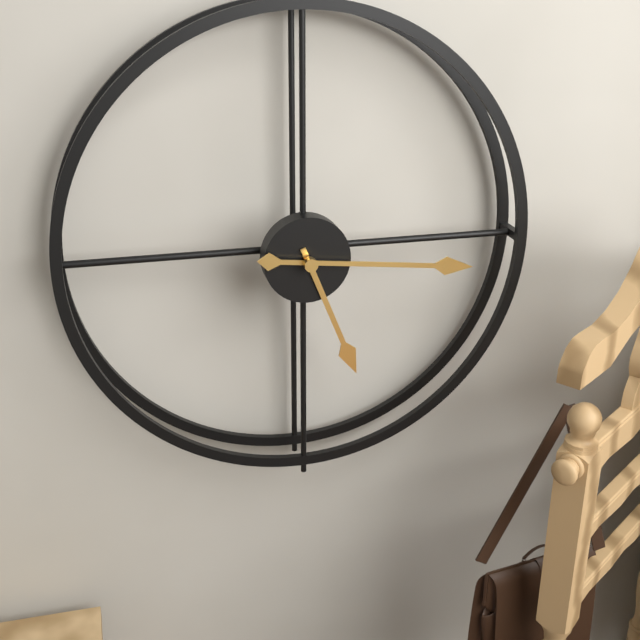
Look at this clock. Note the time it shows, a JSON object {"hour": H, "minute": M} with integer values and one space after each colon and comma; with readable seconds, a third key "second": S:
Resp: {"hour": 5, "minute": 16}
